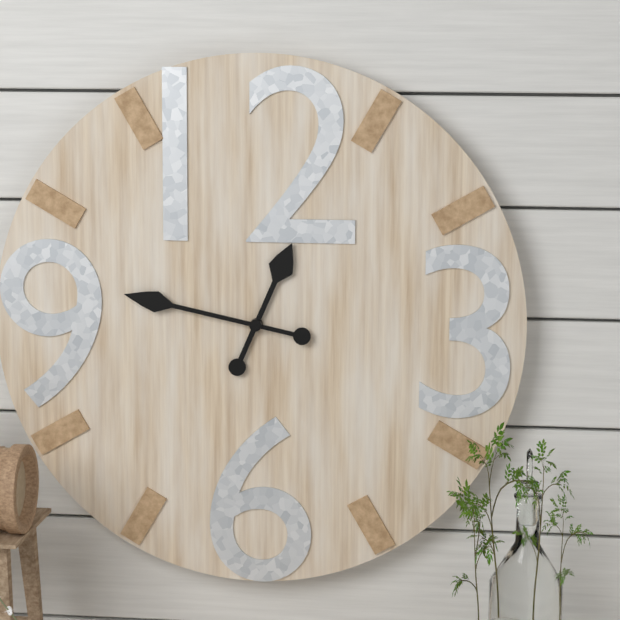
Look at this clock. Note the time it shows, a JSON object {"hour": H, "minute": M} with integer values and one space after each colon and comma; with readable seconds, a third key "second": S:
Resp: {"hour": 12, "minute": 47}
